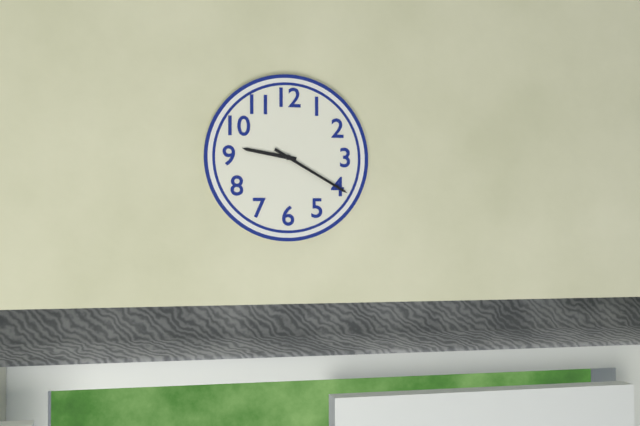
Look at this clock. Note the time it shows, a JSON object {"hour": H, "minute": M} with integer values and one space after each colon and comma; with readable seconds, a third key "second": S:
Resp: {"hour": 9, "minute": 20}
